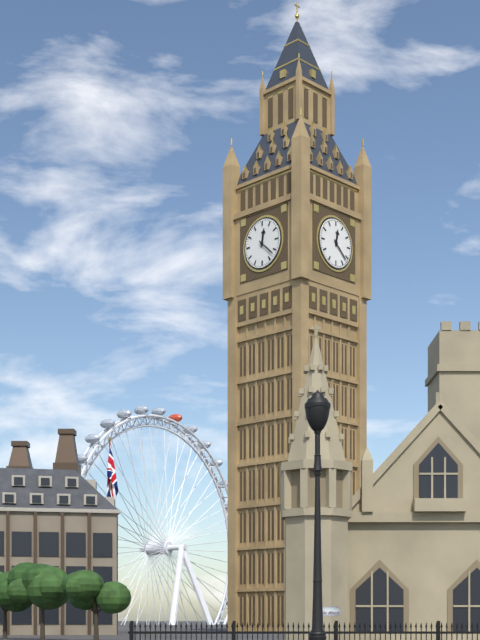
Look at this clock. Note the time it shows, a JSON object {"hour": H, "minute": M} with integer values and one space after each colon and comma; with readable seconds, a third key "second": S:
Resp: {"hour": 12, "minute": 22}
